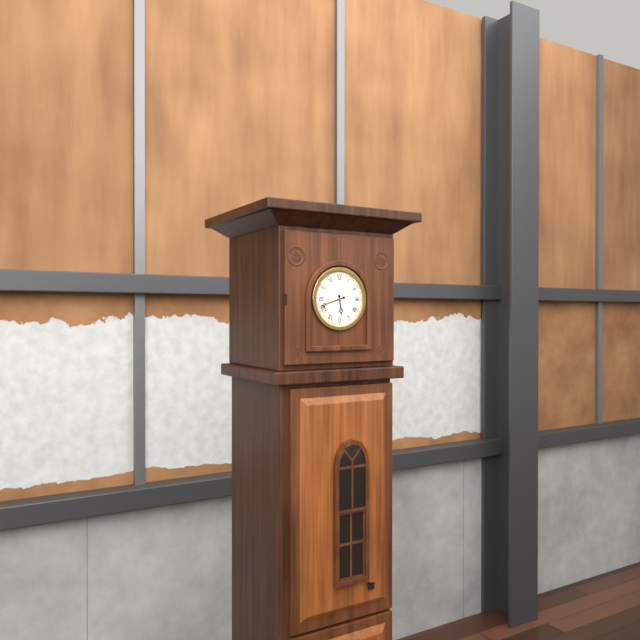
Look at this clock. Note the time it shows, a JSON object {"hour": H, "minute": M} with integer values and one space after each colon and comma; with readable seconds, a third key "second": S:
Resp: {"hour": 5, "minute": 42}
